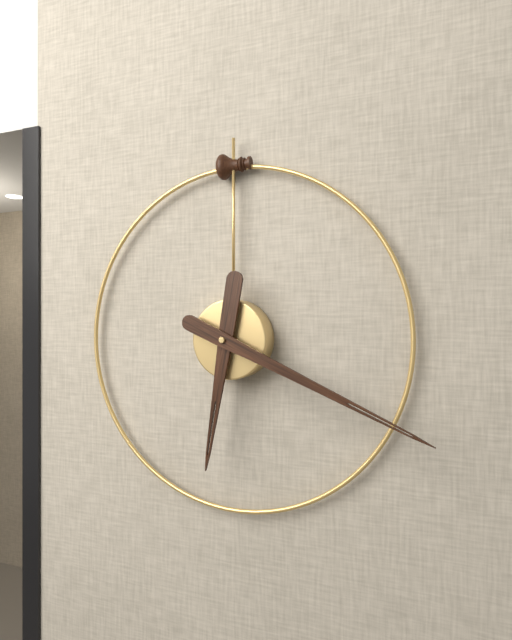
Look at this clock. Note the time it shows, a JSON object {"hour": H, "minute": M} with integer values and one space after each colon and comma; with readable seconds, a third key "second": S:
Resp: {"hour": 6, "minute": 19}
